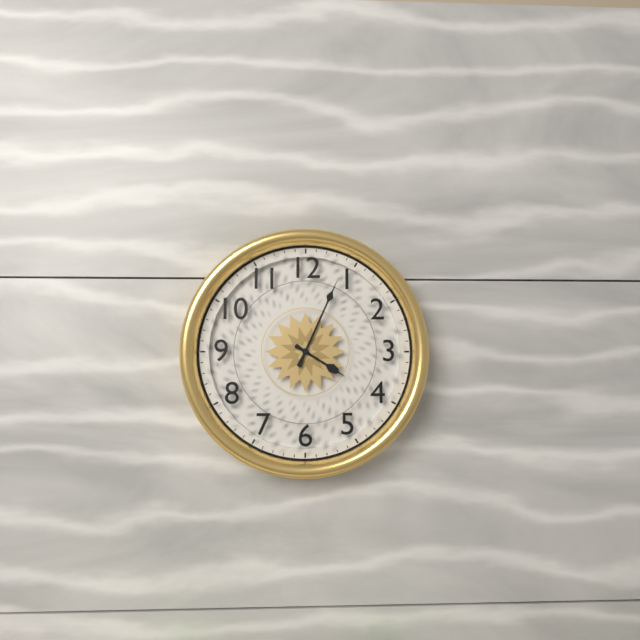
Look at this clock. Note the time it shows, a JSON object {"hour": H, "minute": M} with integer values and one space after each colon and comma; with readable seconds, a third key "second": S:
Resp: {"hour": 4, "minute": 4}
